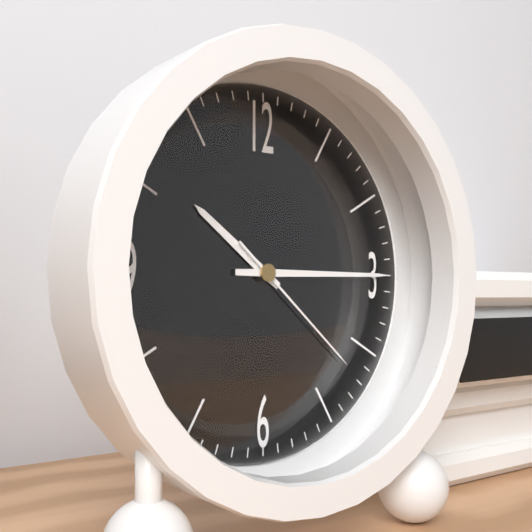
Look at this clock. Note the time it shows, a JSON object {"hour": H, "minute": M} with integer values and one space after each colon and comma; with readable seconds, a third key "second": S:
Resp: {"hour": 10, "minute": 15, "second": 22}
